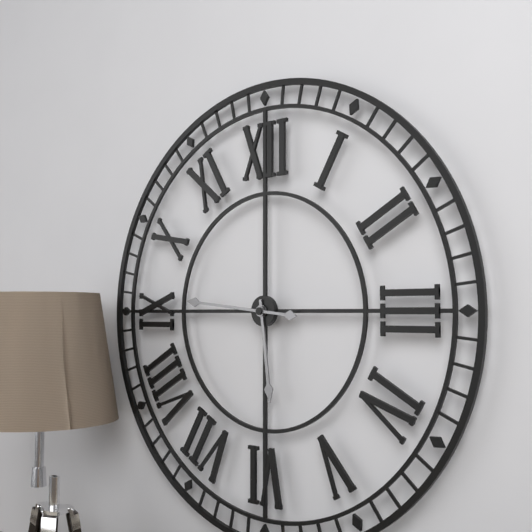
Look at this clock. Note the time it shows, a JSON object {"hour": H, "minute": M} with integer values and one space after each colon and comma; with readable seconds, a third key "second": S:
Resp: {"hour": 5, "minute": 46}
